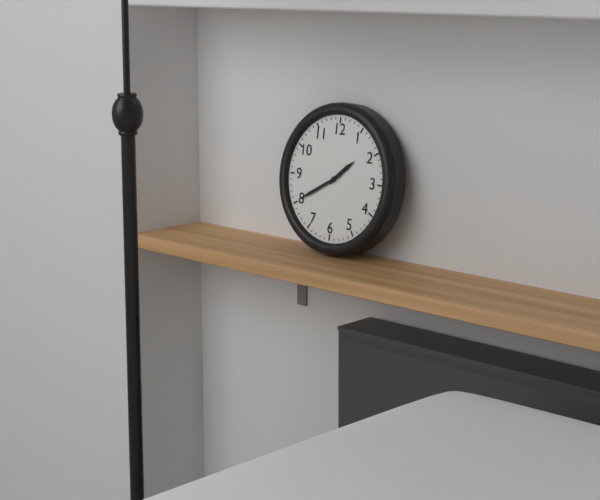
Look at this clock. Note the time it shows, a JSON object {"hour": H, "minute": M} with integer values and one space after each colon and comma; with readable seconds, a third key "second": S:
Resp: {"hour": 1, "minute": 40}
